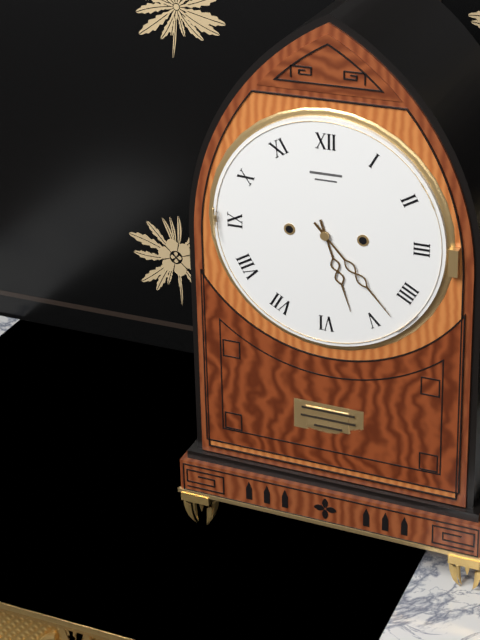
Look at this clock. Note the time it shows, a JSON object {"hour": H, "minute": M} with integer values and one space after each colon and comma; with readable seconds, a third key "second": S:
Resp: {"hour": 5, "minute": 23}
